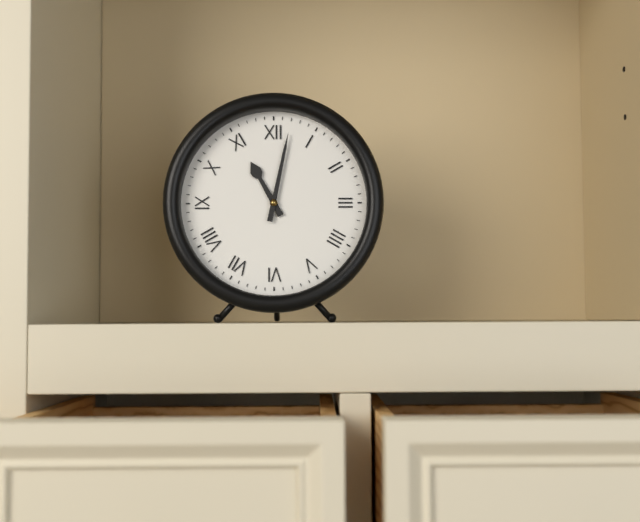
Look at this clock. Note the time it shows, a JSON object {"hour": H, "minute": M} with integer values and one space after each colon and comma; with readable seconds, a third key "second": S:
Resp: {"hour": 11, "minute": 2}
